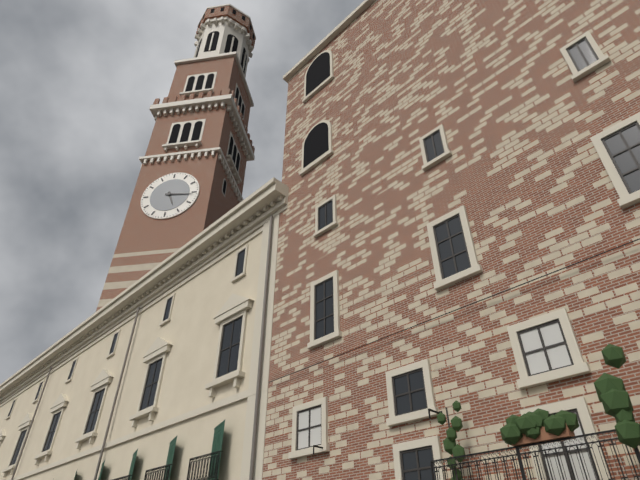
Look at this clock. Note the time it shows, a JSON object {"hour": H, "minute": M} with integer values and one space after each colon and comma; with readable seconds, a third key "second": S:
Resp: {"hour": 5, "minute": 16}
